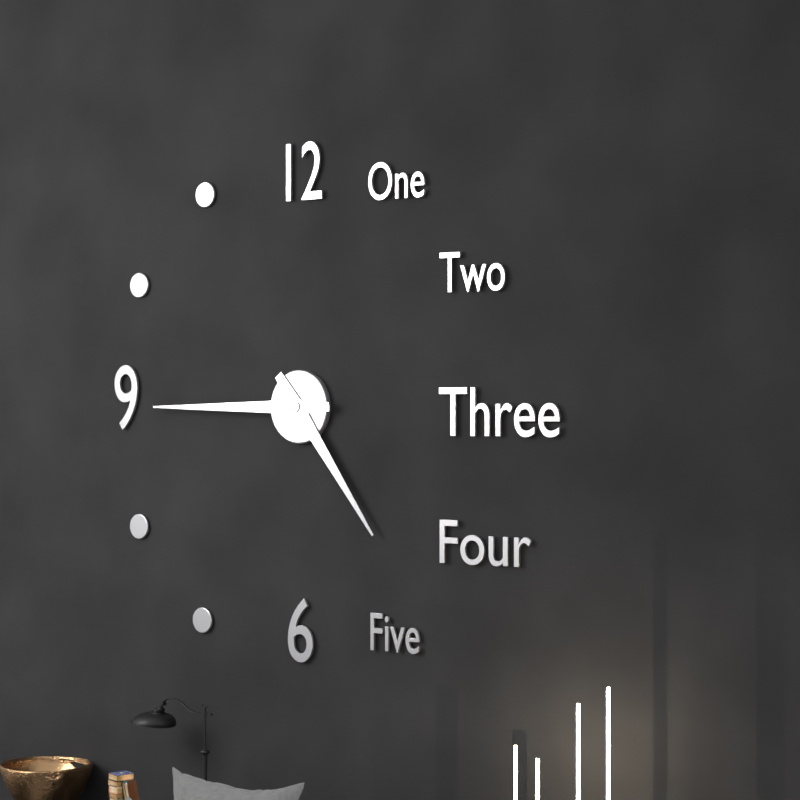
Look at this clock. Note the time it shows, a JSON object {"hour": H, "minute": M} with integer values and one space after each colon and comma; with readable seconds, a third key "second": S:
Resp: {"hour": 4, "minute": 45}
